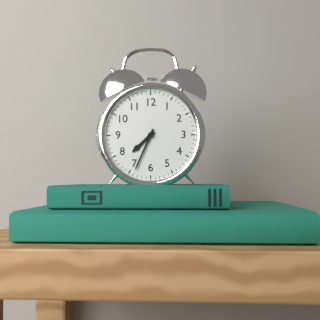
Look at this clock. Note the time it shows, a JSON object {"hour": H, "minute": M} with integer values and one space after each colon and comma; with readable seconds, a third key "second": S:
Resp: {"hour": 7, "minute": 34}
